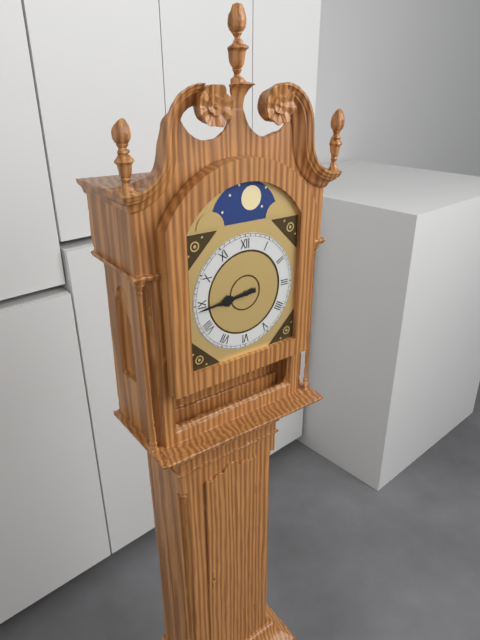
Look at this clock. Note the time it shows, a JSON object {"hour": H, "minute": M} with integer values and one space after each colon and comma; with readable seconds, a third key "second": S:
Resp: {"hour": 8, "minute": 44}
